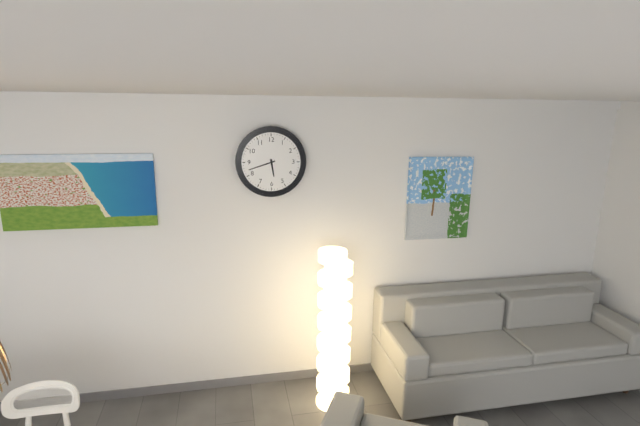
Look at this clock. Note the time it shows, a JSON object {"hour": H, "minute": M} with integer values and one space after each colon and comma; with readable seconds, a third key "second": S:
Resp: {"hour": 5, "minute": 42}
